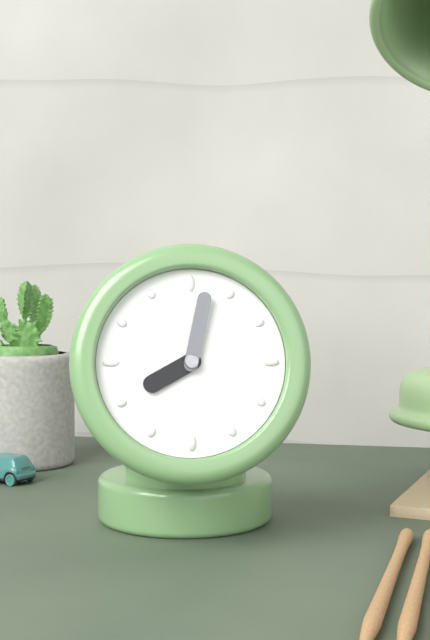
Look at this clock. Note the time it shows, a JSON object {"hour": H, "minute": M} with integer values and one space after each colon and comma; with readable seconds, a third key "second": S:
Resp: {"hour": 8, "minute": 2}
